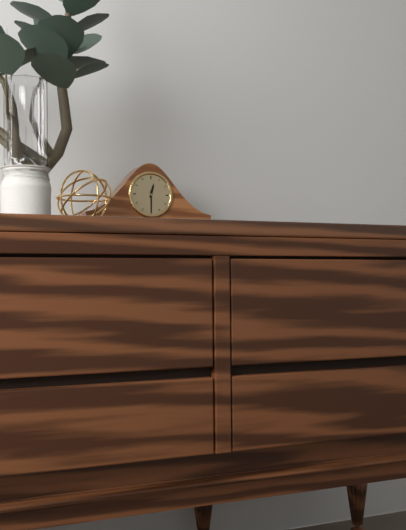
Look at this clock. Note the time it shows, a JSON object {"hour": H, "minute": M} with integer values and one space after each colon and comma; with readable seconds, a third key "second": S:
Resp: {"hour": 12, "minute": 30}
